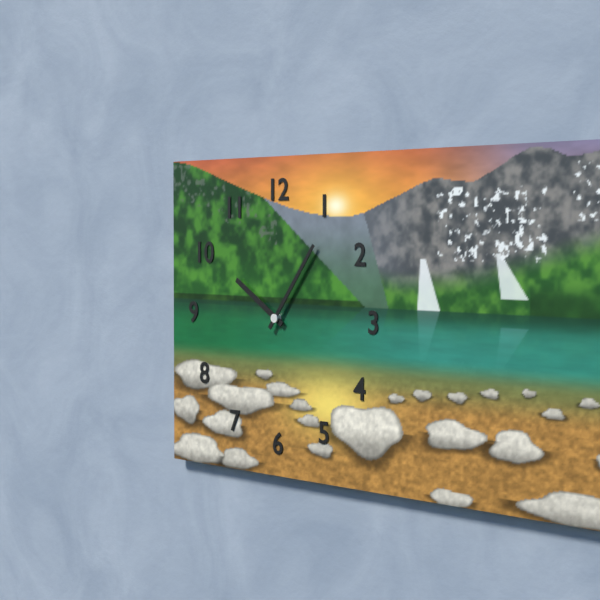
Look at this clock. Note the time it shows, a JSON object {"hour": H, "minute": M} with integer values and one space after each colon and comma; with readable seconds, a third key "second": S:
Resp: {"hour": 10, "minute": 6}
